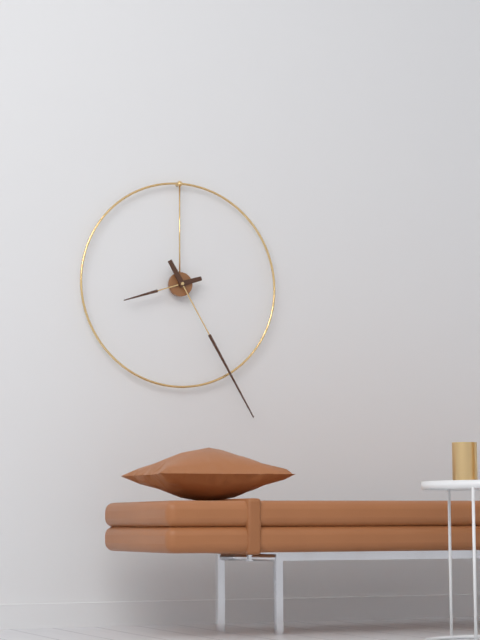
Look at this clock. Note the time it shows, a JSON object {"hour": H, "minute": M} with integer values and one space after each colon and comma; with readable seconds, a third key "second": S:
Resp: {"hour": 8, "minute": 25}
